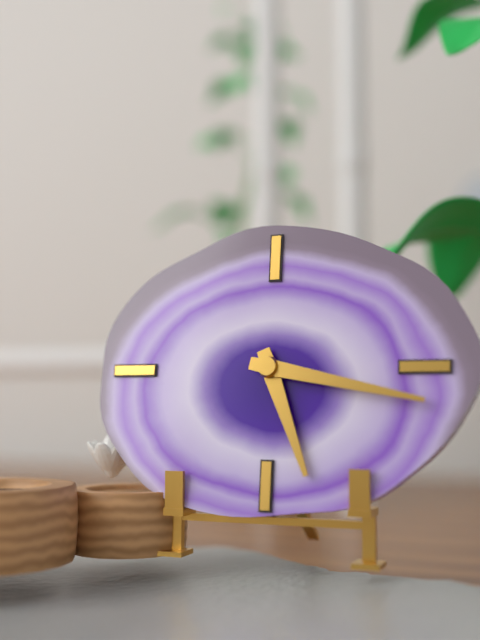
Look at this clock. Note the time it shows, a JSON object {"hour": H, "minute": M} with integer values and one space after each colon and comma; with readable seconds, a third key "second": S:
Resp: {"hour": 5, "minute": 17}
